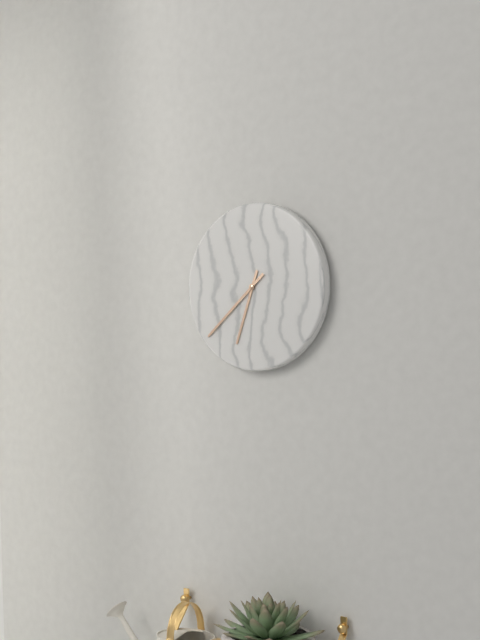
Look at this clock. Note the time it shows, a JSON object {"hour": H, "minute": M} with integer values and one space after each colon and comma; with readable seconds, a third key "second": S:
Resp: {"hour": 6, "minute": 38}
